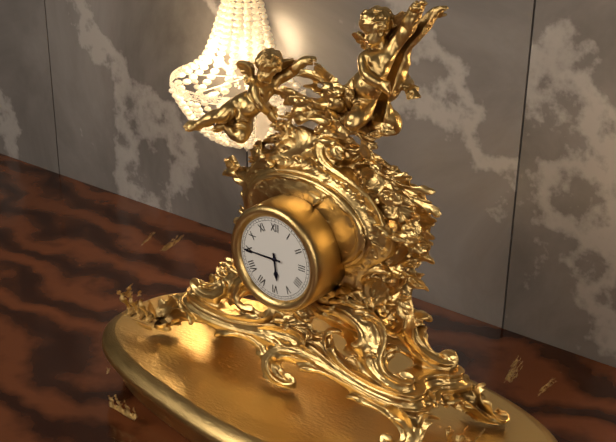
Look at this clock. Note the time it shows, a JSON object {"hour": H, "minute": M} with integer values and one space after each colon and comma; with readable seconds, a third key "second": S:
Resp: {"hour": 5, "minute": 45}
